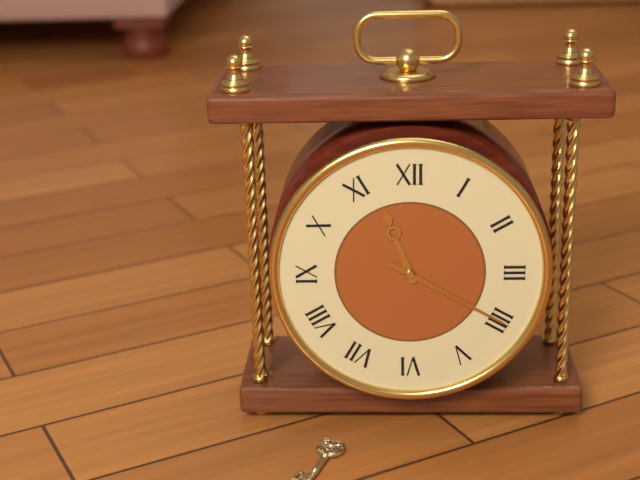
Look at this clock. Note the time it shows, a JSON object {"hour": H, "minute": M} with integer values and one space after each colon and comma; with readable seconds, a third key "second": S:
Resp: {"hour": 11, "minute": 20}
